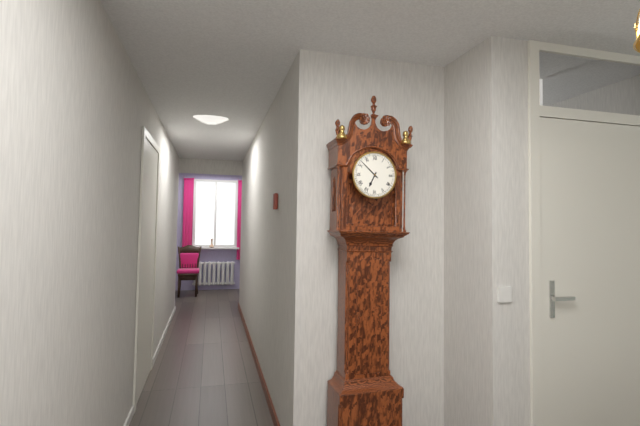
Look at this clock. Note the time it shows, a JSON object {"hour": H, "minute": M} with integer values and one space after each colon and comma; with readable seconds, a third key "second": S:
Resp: {"hour": 6, "minute": 52}
